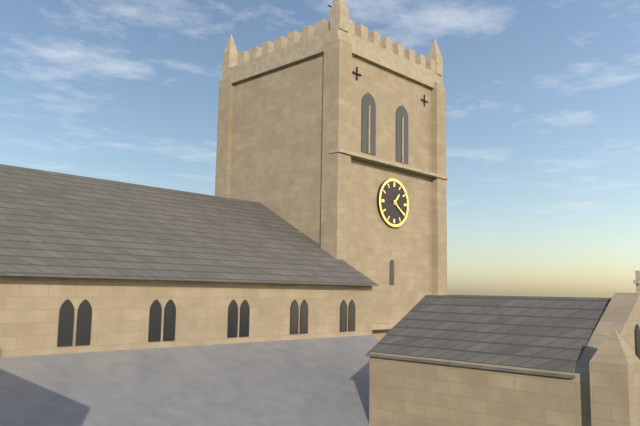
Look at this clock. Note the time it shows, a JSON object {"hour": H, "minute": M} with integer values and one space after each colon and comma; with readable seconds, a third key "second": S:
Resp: {"hour": 1, "minute": 21}
